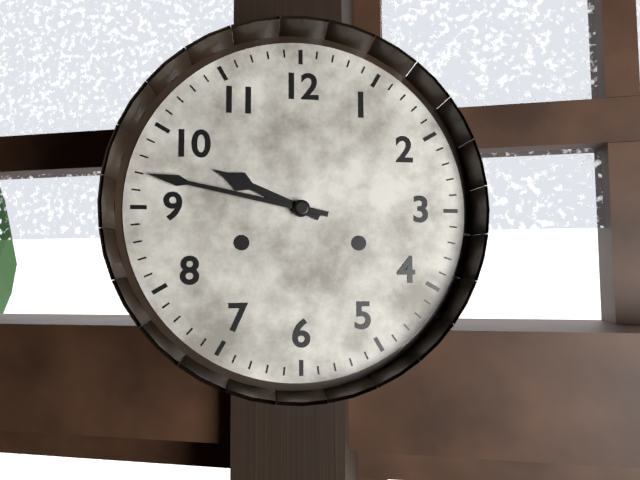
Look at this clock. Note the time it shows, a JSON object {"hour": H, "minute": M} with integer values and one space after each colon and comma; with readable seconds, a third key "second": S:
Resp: {"hour": 9, "minute": 47}
